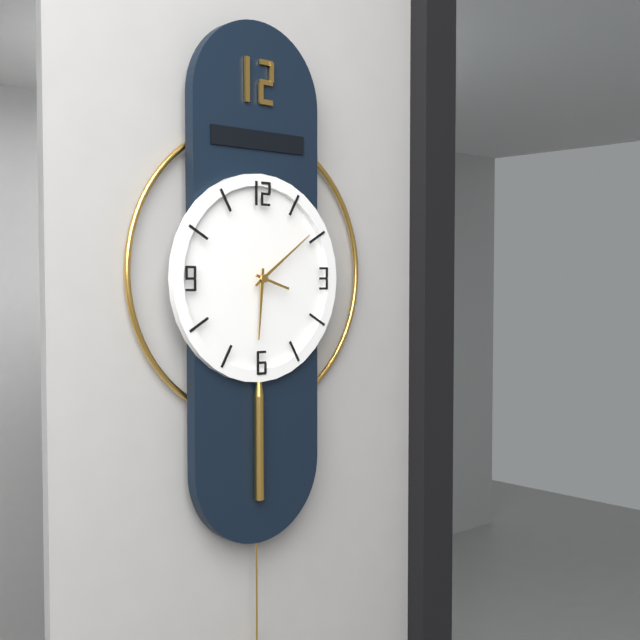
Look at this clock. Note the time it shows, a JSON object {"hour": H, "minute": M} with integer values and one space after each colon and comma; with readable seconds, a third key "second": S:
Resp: {"hour": 6, "minute": 9}
